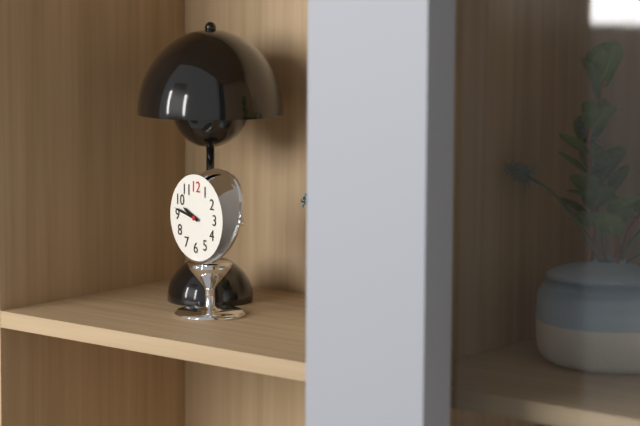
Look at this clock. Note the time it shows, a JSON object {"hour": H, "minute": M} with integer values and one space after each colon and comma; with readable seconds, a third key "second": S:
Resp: {"hour": 9, "minute": 47}
